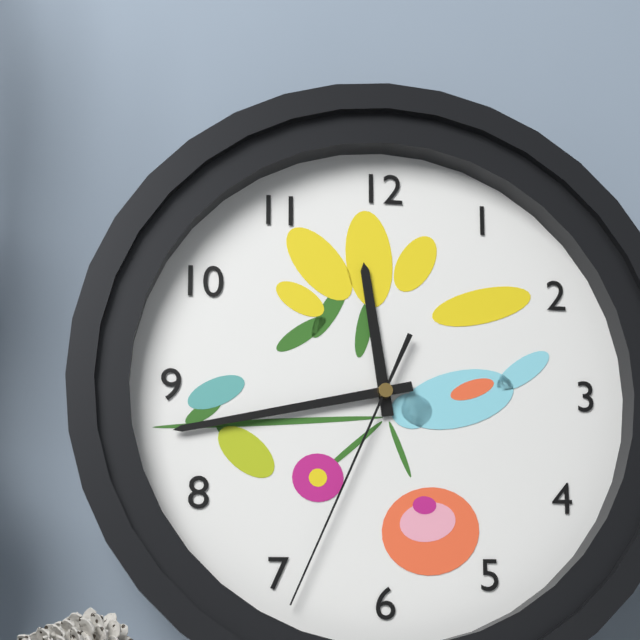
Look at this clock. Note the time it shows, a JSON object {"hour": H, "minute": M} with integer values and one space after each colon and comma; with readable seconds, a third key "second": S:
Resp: {"hour": 11, "minute": 43, "second": 34}
